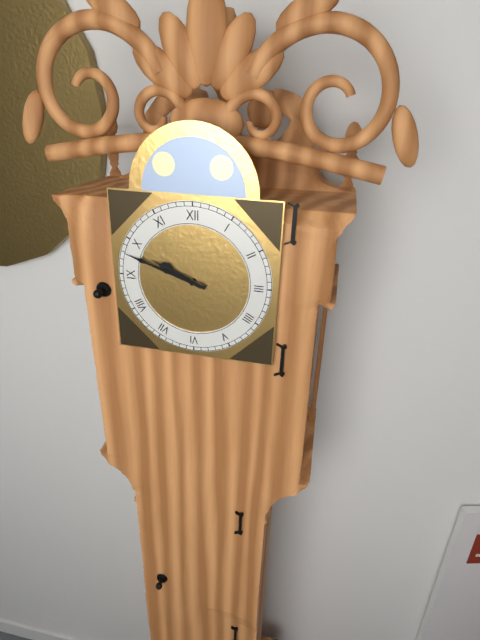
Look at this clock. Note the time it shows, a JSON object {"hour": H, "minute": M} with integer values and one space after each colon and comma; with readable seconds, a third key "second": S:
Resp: {"hour": 9, "minute": 48}
